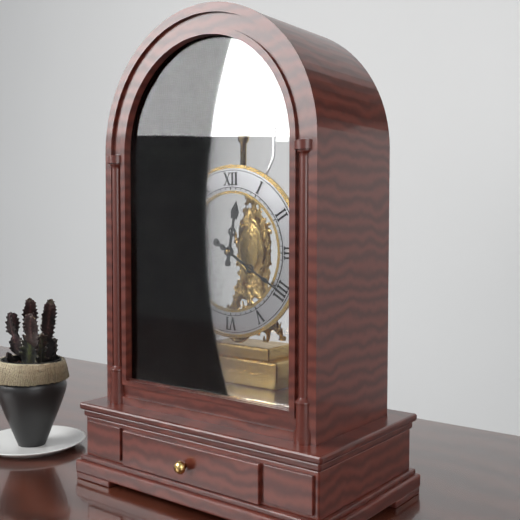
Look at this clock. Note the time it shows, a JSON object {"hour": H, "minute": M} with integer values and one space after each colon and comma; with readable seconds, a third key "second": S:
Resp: {"hour": 12, "minute": 20}
